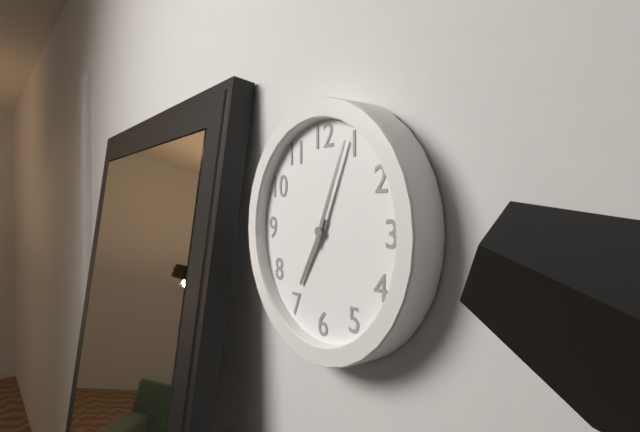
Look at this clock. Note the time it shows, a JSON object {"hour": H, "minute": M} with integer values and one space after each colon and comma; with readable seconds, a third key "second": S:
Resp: {"hour": 7, "minute": 4}
